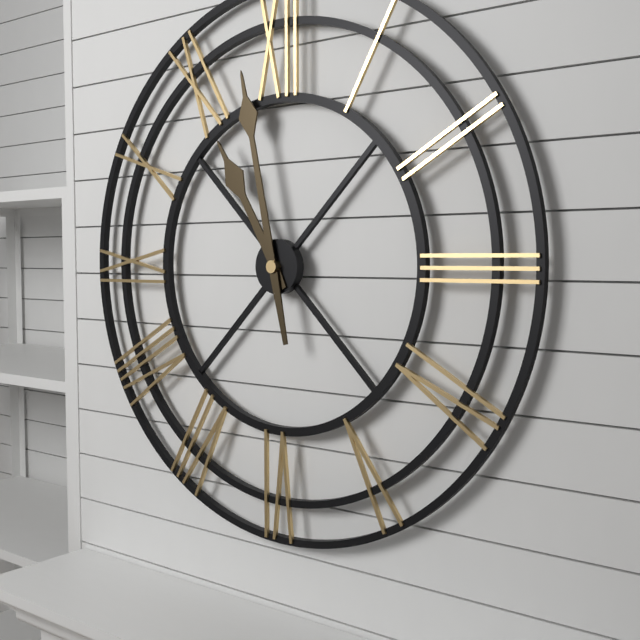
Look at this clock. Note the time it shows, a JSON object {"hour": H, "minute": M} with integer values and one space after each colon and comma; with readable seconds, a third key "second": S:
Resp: {"hour": 10, "minute": 58}
